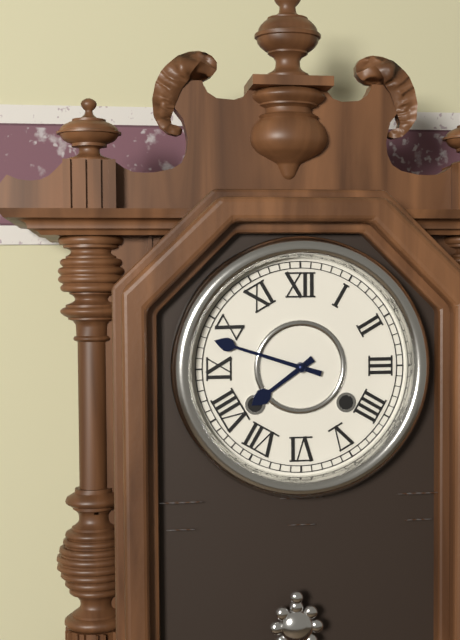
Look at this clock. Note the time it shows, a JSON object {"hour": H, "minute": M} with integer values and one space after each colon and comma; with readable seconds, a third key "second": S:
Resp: {"hour": 7, "minute": 48}
